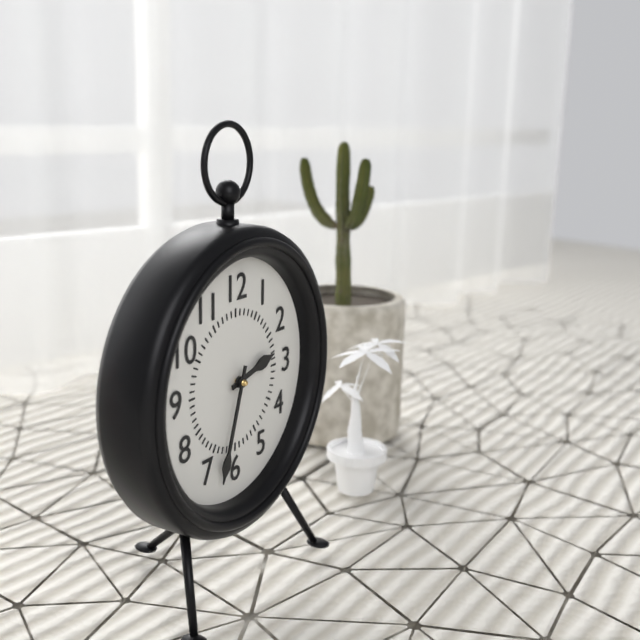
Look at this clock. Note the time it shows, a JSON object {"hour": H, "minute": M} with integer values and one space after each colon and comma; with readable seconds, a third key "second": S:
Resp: {"hour": 2, "minute": 33}
